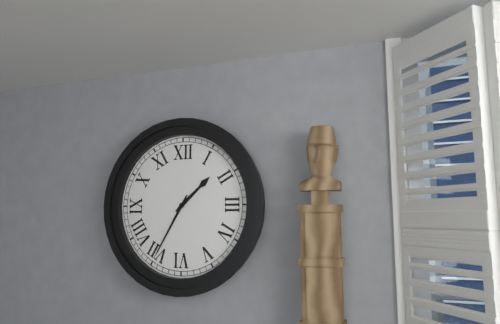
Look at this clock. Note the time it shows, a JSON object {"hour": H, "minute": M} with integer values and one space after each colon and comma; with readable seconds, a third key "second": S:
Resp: {"hour": 1, "minute": 35}
